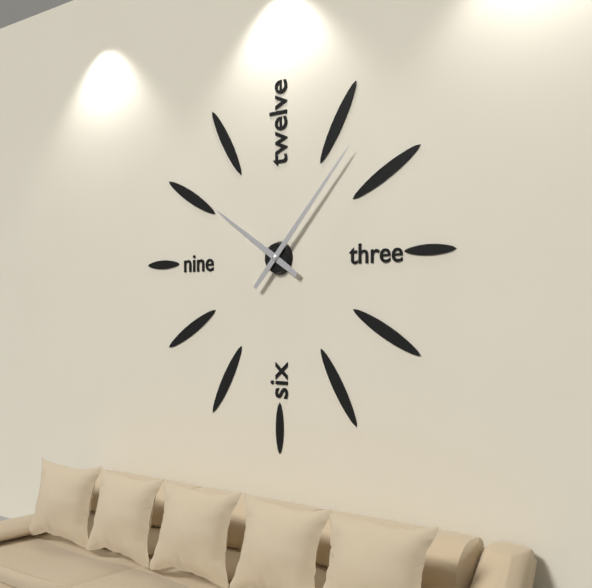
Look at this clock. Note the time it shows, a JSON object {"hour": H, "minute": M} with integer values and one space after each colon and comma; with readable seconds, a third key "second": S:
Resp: {"hour": 10, "minute": 7}
